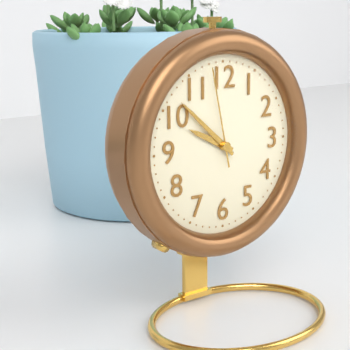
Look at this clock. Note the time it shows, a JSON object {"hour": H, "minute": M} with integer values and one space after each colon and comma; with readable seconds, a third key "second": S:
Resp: {"hour": 9, "minute": 52, "second": 58}
